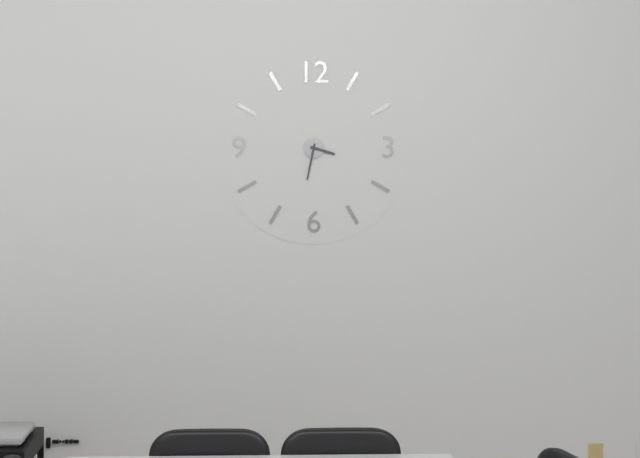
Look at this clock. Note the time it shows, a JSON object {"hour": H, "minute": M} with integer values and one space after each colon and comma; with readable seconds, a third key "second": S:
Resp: {"hour": 3, "minute": 32}
